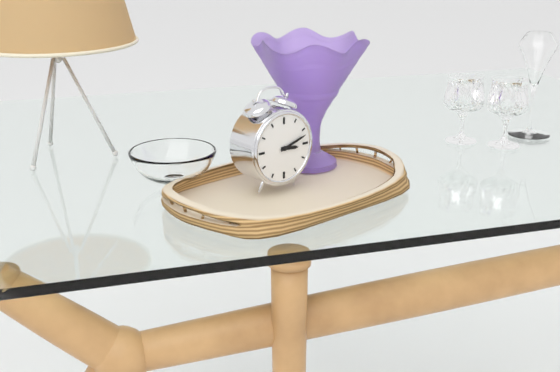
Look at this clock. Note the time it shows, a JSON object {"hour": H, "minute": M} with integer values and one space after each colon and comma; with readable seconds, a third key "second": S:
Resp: {"hour": 3, "minute": 12}
